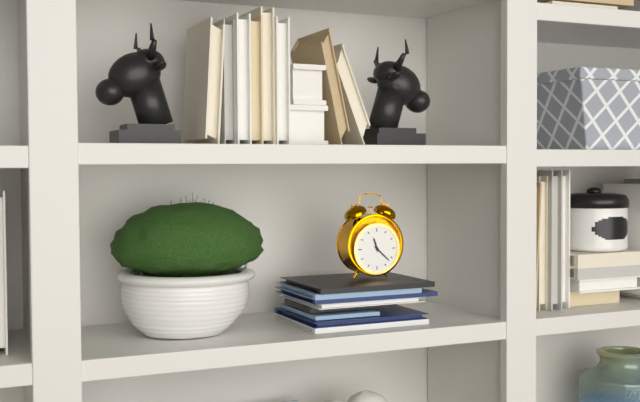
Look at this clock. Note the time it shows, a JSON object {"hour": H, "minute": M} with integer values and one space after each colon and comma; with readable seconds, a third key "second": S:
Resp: {"hour": 11, "minute": 22}
